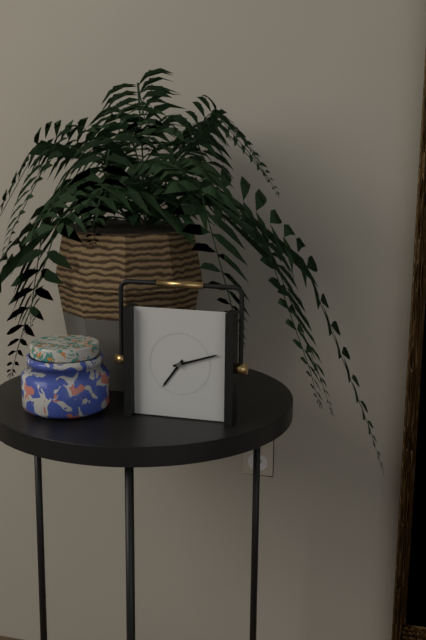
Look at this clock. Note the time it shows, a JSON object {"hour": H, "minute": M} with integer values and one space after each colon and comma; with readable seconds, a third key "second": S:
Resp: {"hour": 7, "minute": 12}
